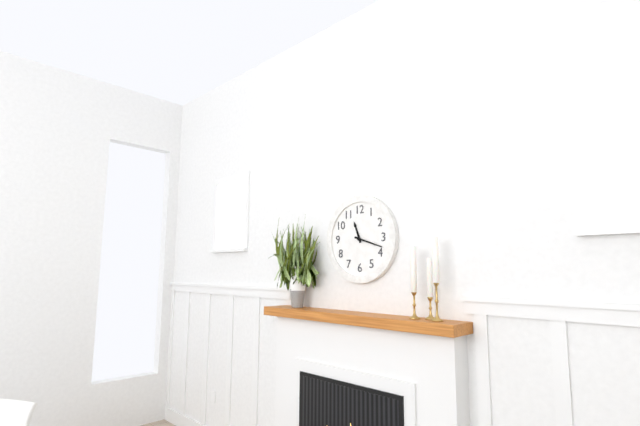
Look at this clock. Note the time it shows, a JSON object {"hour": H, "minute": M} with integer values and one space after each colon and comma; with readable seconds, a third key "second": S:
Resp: {"hour": 11, "minute": 18}
